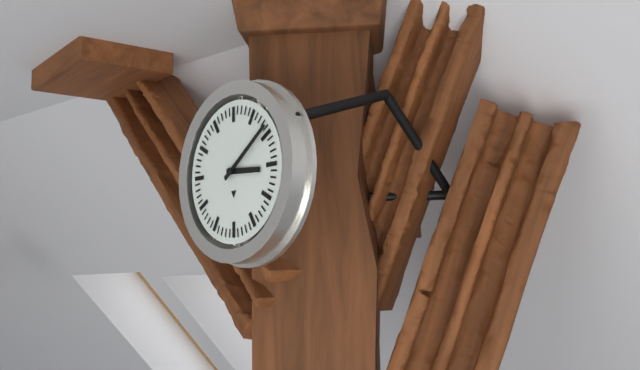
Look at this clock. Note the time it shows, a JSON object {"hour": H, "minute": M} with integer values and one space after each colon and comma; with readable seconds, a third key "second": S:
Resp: {"hour": 3, "minute": 9}
